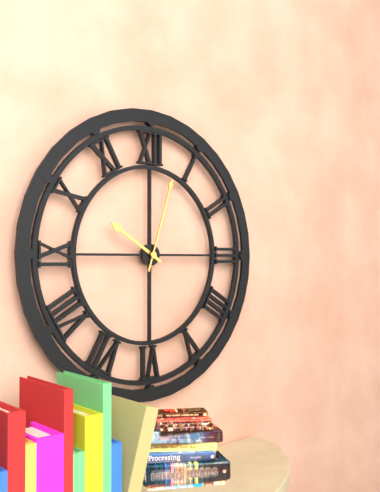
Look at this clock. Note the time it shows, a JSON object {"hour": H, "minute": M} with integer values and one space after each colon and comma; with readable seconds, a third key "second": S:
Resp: {"hour": 10, "minute": 3}
